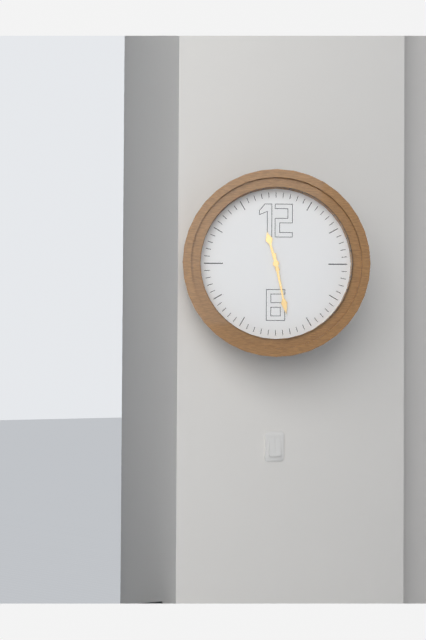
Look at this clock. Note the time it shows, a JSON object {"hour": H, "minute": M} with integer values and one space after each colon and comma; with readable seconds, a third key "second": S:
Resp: {"hour": 11, "minute": 28}
